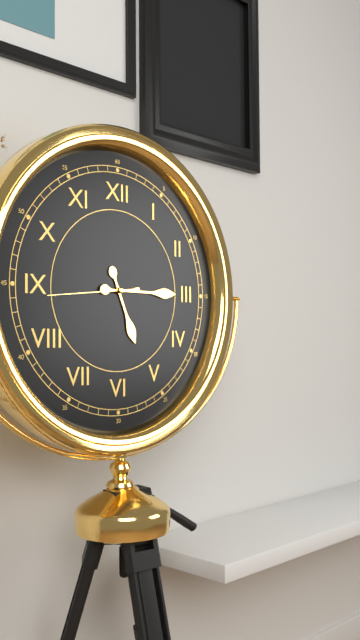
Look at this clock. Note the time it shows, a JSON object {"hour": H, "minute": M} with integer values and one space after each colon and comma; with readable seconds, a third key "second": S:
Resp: {"hour": 5, "minute": 15, "second": 44}
